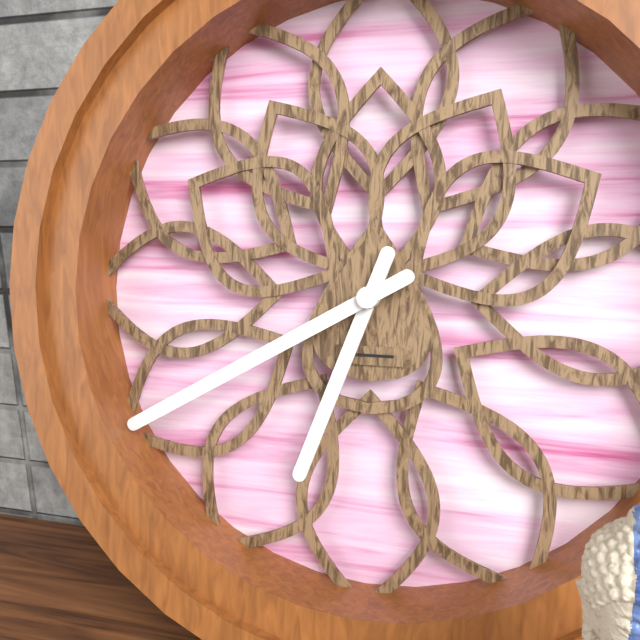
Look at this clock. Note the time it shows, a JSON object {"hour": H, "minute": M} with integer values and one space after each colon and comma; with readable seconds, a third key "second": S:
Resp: {"hour": 6, "minute": 40}
